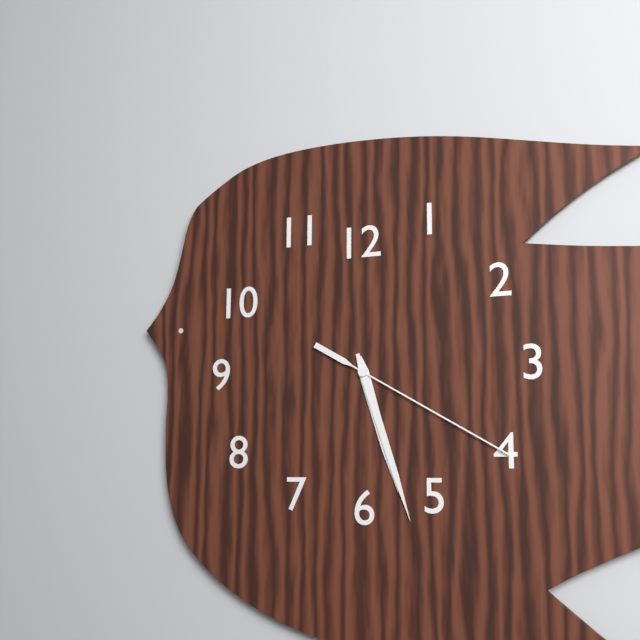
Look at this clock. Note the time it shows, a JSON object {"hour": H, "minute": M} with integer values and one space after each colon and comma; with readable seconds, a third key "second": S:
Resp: {"hour": 5, "minute": 27, "second": 20}
